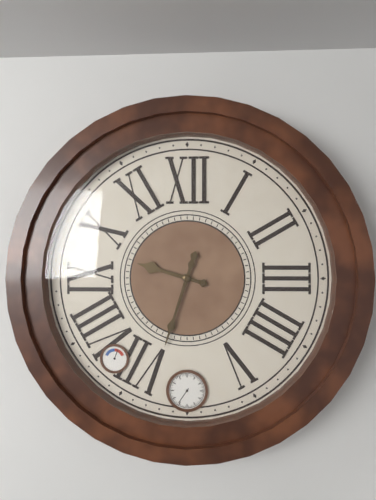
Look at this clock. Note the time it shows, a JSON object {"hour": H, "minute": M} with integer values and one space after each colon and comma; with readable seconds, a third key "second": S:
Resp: {"hour": 9, "minute": 33}
